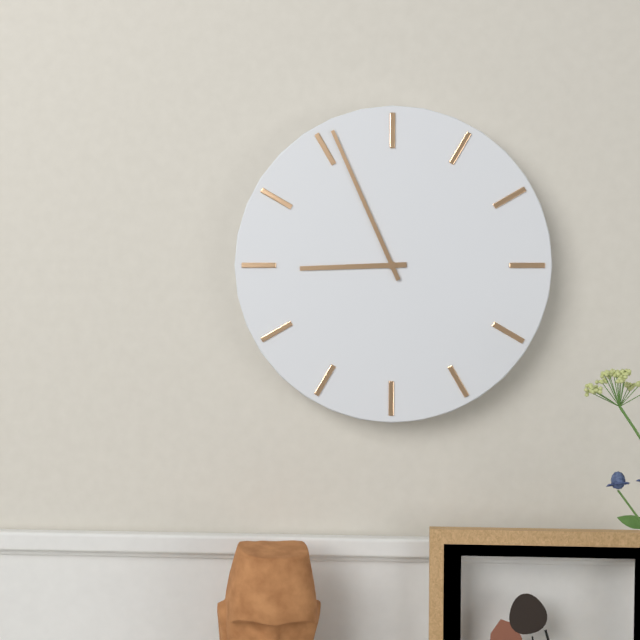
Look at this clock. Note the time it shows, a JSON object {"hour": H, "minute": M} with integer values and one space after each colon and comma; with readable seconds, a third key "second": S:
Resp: {"hour": 8, "minute": 56}
